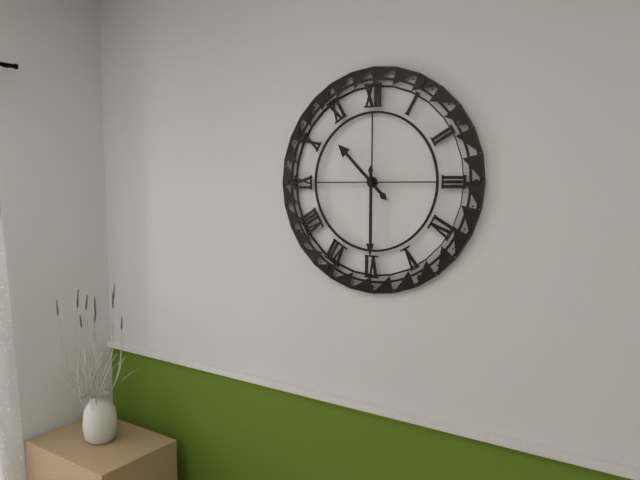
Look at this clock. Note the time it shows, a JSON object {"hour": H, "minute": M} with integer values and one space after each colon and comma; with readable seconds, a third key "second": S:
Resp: {"hour": 10, "minute": 30}
